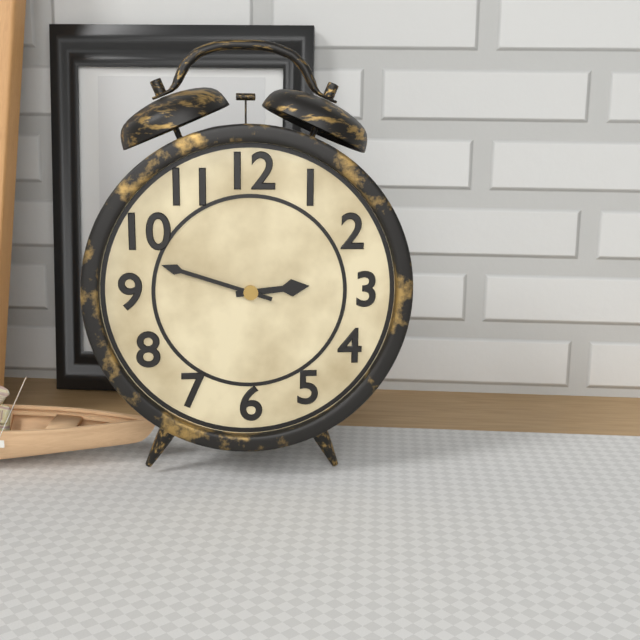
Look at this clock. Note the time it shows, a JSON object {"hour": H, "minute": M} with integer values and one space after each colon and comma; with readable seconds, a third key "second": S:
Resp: {"hour": 2, "minute": 48}
